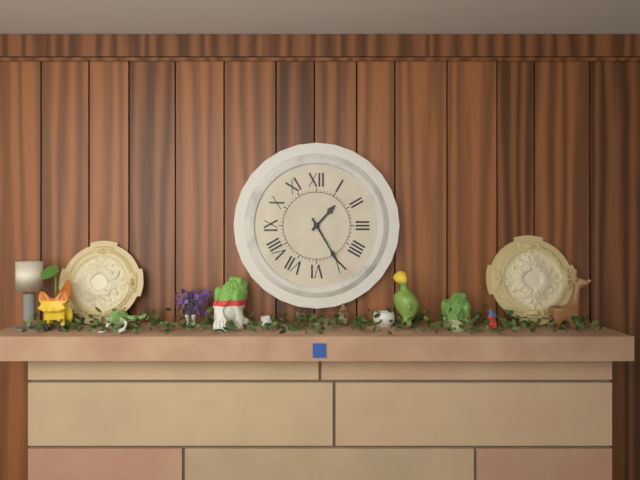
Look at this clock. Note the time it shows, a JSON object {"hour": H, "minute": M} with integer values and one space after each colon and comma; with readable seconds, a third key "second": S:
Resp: {"hour": 1, "minute": 25}
